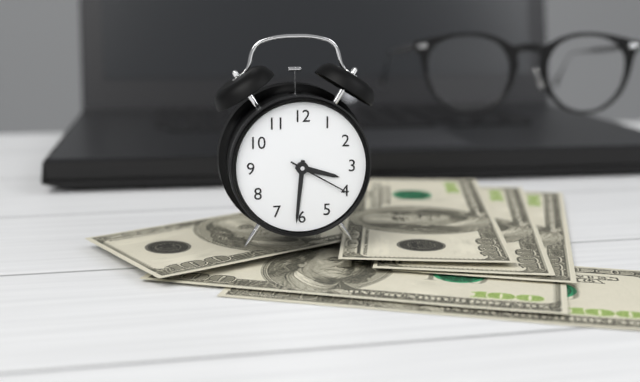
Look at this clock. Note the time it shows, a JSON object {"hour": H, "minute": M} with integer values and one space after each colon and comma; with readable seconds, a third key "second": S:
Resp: {"hour": 3, "minute": 31, "second": 20}
